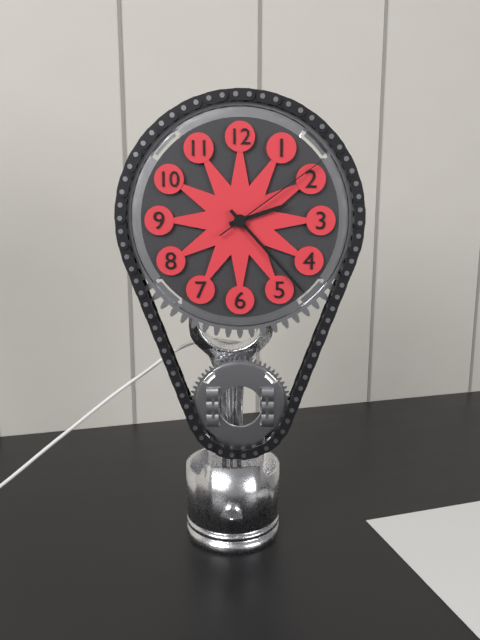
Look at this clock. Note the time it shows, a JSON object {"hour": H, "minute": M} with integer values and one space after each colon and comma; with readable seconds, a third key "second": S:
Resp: {"hour": 2, "minute": 23, "second": 9}
